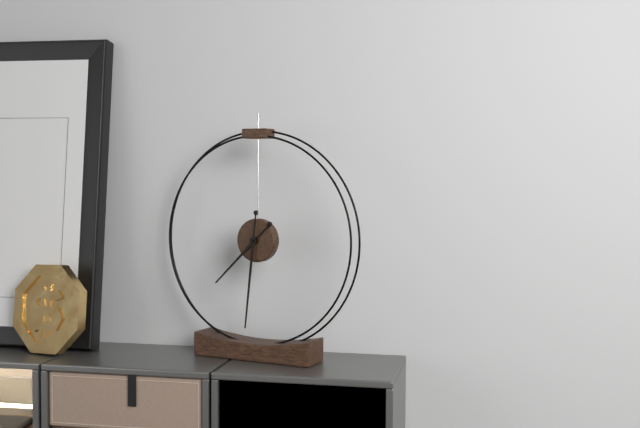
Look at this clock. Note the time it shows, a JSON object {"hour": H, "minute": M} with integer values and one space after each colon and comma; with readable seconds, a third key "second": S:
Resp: {"hour": 7, "minute": 31}
